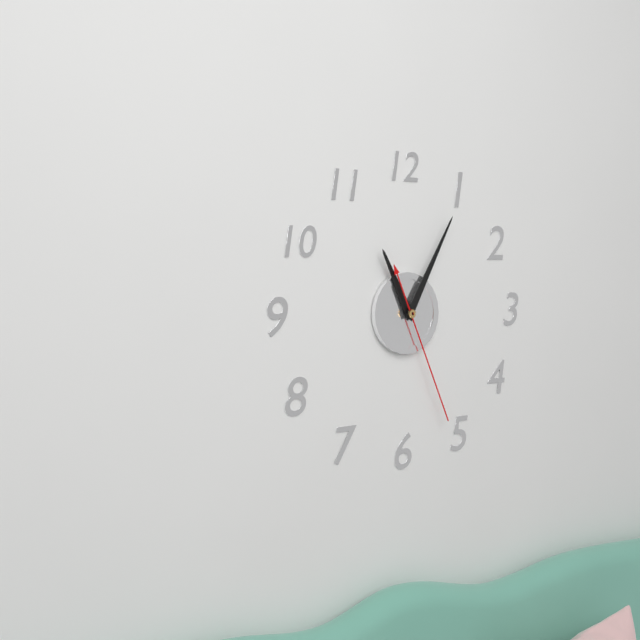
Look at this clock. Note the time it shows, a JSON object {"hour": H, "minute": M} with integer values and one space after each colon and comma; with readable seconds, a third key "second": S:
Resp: {"hour": 11, "minute": 5, "second": 26}
